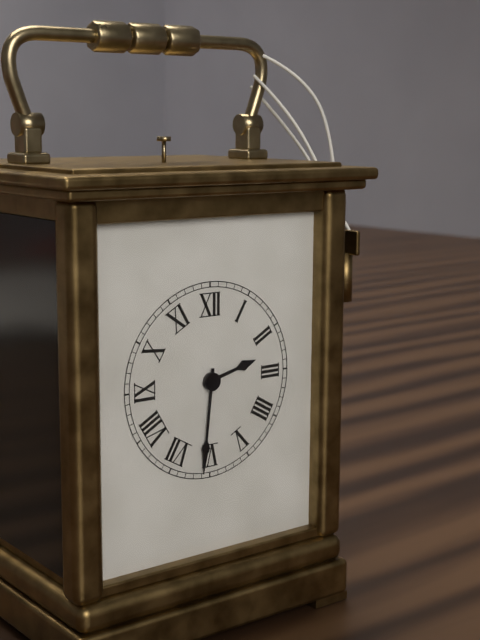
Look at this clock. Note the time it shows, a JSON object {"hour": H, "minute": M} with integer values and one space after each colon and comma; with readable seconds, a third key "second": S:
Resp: {"hour": 2, "minute": 31}
